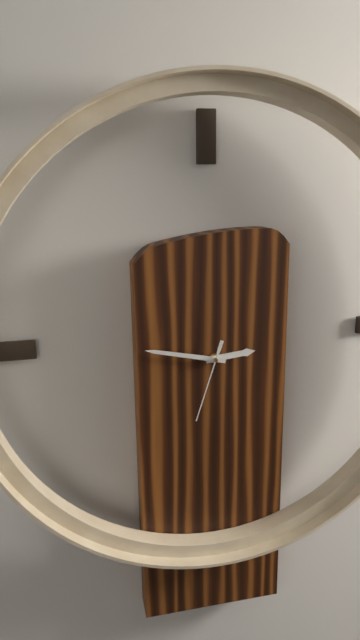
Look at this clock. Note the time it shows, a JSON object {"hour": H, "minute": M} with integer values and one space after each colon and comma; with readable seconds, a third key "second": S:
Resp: {"hour": 2, "minute": 47, "second": 33}
